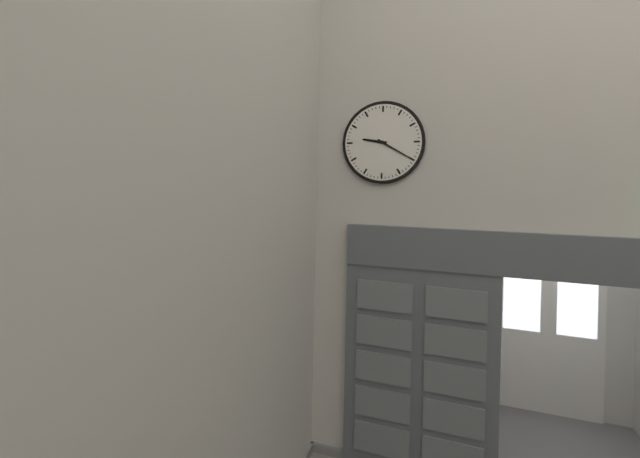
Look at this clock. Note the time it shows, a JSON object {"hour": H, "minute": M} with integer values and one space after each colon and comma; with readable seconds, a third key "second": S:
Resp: {"hour": 9, "minute": 20}
